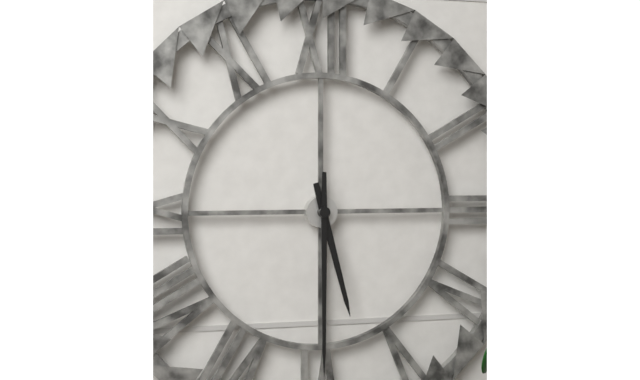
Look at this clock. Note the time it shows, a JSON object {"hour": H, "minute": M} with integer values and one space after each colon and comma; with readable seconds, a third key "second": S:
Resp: {"hour": 5, "minute": 30}
